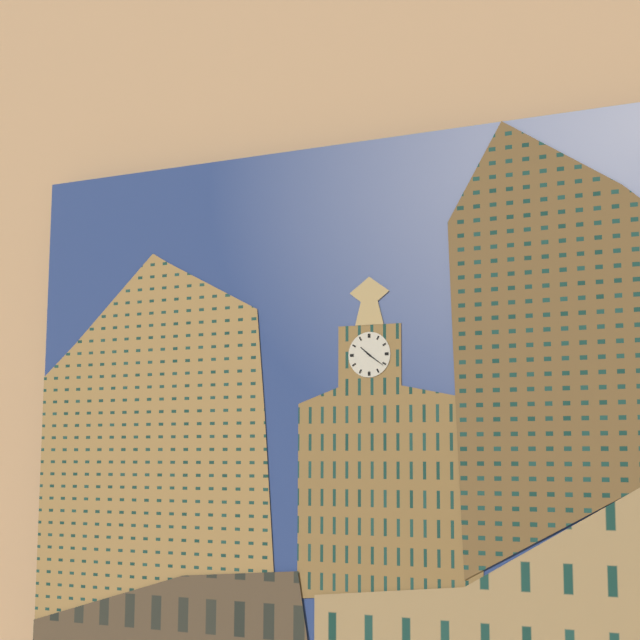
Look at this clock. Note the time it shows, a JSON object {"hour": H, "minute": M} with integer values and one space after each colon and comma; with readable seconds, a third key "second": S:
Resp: {"hour": 10, "minute": 21}
